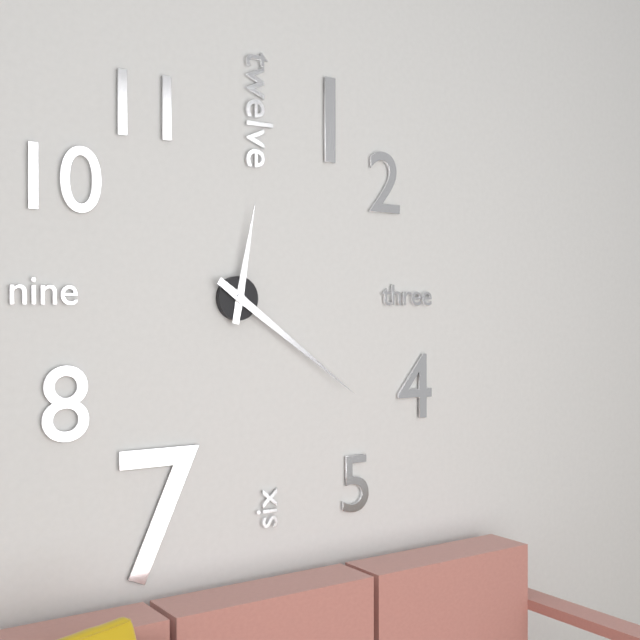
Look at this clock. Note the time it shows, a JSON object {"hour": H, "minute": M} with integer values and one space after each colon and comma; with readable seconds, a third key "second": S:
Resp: {"hour": 12, "minute": 21}
